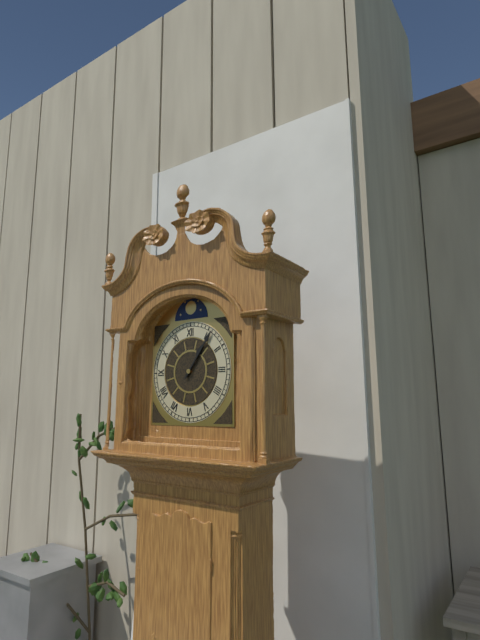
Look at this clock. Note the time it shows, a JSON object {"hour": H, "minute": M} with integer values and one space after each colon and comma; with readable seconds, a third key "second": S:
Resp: {"hour": 1, "minute": 6}
